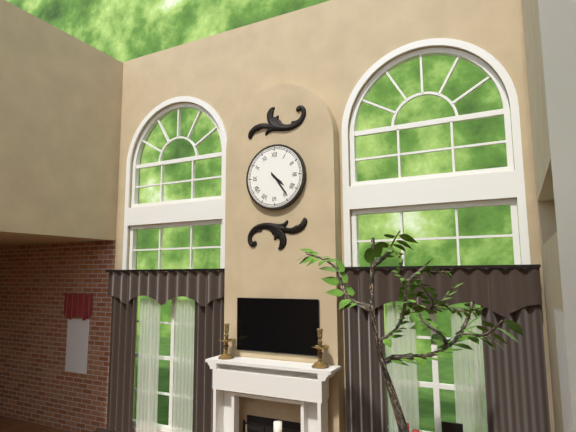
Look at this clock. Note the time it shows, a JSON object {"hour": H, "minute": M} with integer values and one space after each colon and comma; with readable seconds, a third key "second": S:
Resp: {"hour": 4, "minute": 24}
